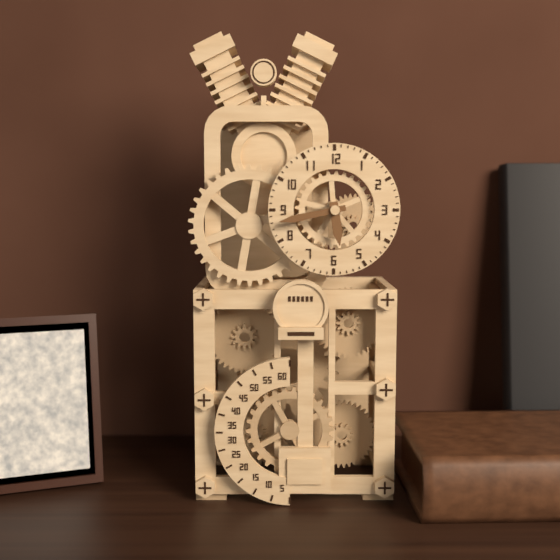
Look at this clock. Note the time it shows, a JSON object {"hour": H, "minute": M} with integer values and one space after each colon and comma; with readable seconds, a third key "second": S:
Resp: {"hour": 5, "minute": 43}
